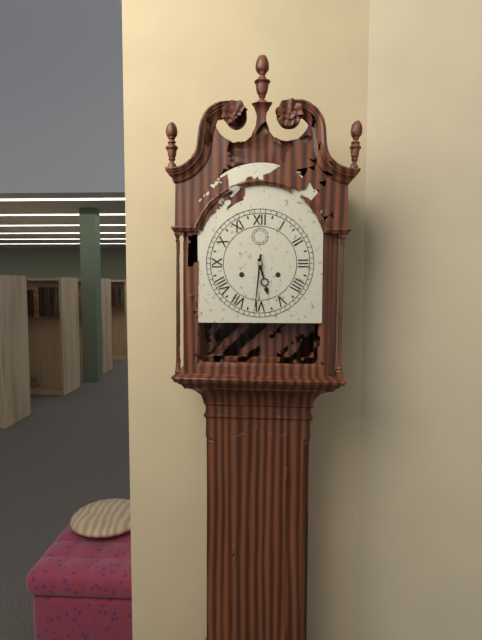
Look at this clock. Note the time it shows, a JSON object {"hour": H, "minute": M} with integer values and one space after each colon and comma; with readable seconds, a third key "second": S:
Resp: {"hour": 5, "minute": 31}
